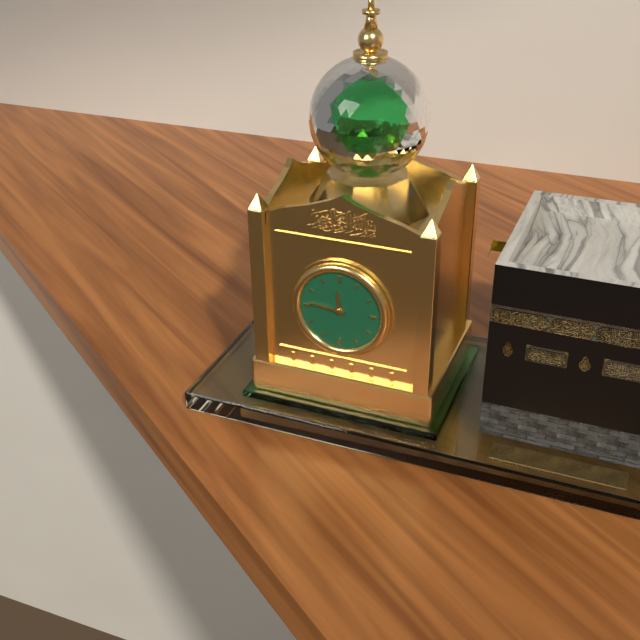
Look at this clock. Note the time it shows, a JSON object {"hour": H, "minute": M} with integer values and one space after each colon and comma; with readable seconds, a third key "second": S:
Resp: {"hour": 11, "minute": 46}
